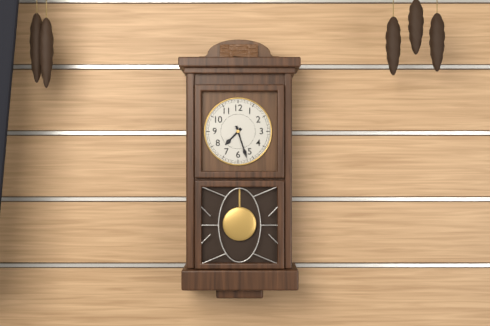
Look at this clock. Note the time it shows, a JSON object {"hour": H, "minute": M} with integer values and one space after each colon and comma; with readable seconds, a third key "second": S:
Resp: {"hour": 7, "minute": 27}
